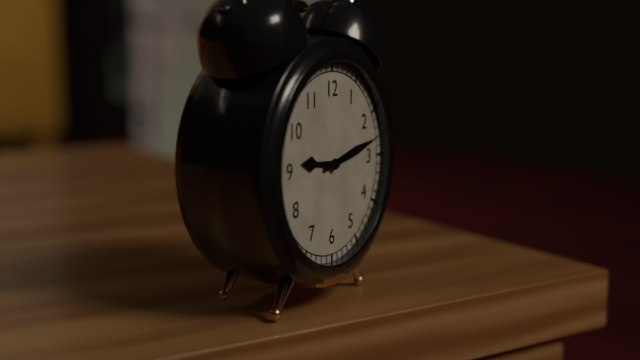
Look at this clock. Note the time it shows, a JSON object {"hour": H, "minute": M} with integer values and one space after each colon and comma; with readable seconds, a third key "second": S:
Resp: {"hour": 9, "minute": 13}
